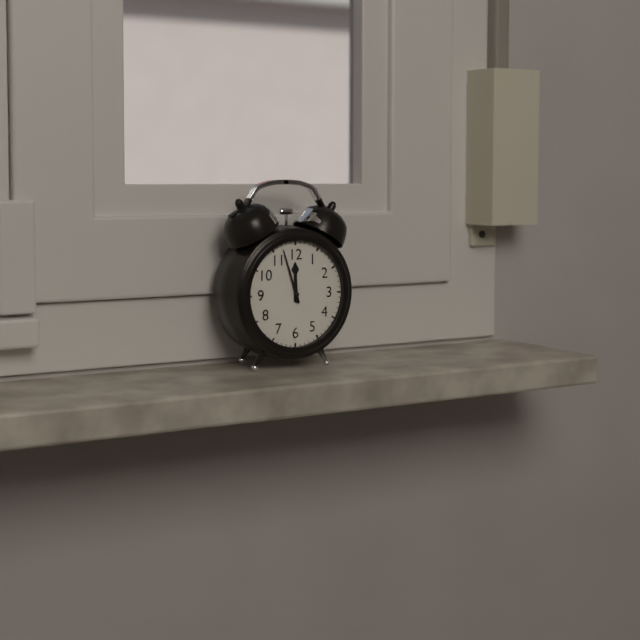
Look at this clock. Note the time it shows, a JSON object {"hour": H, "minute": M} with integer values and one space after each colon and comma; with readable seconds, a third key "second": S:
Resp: {"hour": 11, "minute": 57}
